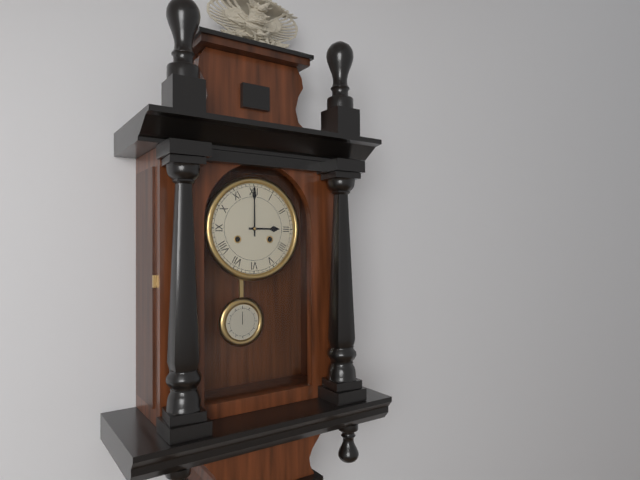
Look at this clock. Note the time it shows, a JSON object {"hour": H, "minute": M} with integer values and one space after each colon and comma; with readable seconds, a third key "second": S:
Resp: {"hour": 3, "minute": 0}
